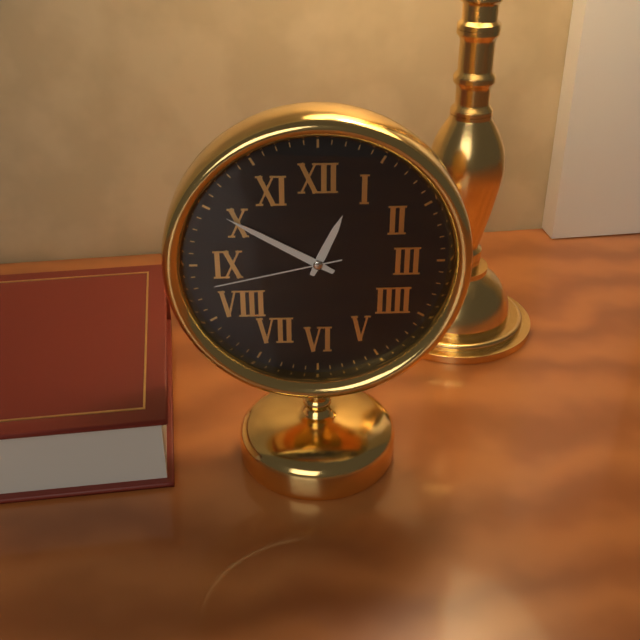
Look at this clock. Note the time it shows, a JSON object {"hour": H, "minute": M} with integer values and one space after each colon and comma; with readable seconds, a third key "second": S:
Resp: {"hour": 12, "minute": 50, "second": 43}
